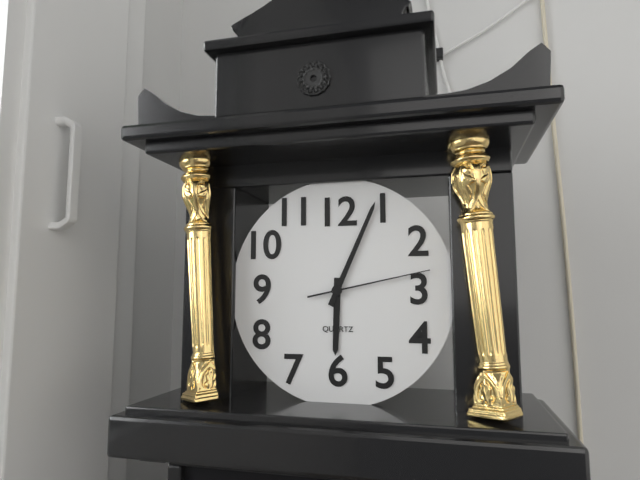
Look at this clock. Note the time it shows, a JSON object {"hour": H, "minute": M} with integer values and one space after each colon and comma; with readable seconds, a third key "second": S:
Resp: {"hour": 6, "minute": 4, "second": 13}
